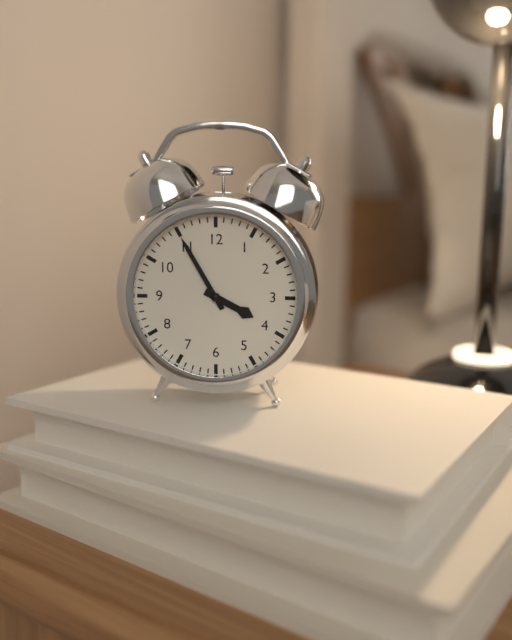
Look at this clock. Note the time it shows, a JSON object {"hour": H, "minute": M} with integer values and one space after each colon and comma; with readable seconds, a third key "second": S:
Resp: {"hour": 3, "minute": 55}
